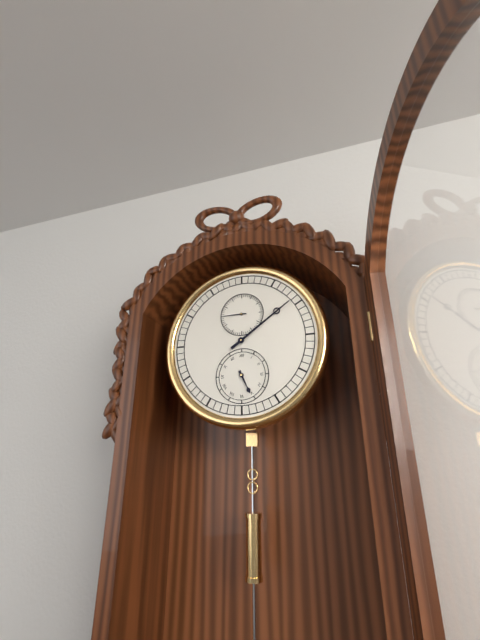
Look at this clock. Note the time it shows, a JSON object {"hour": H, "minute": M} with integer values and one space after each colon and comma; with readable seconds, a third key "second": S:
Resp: {"hour": 5, "minute": 9}
